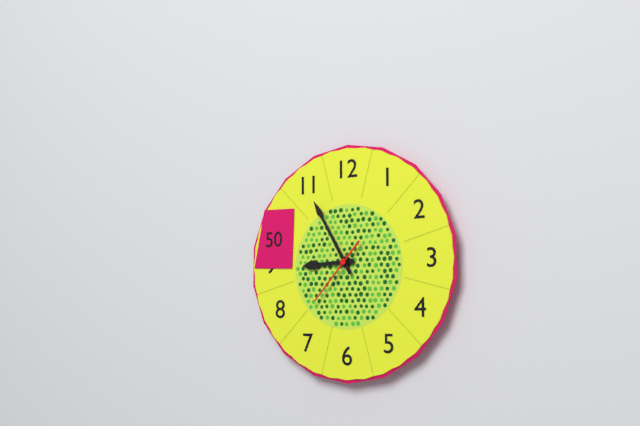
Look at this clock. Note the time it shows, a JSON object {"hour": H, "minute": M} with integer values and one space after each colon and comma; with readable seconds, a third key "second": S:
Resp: {"hour": 8, "minute": 55, "second": 37}
